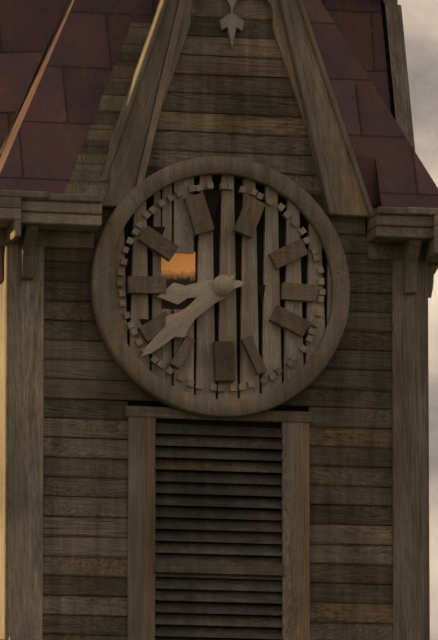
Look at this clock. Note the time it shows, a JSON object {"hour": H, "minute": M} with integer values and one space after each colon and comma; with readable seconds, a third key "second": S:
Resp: {"hour": 8, "minute": 38}
